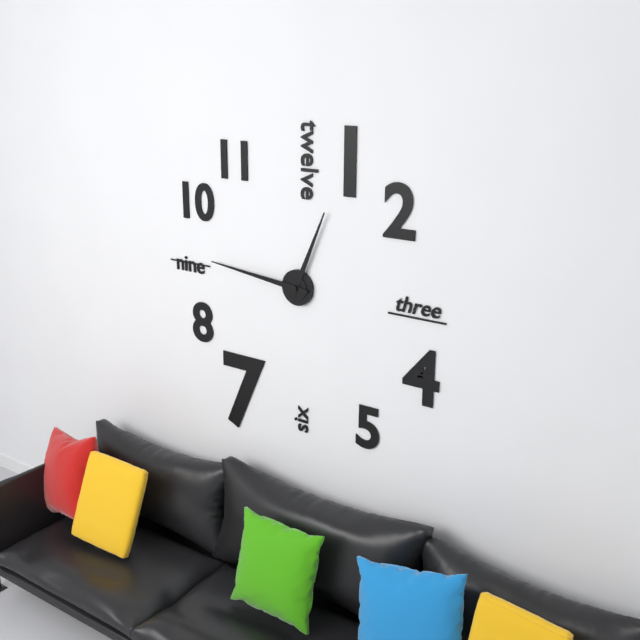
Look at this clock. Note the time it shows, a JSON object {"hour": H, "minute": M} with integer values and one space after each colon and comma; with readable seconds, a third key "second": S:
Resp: {"hour": 12, "minute": 46}
